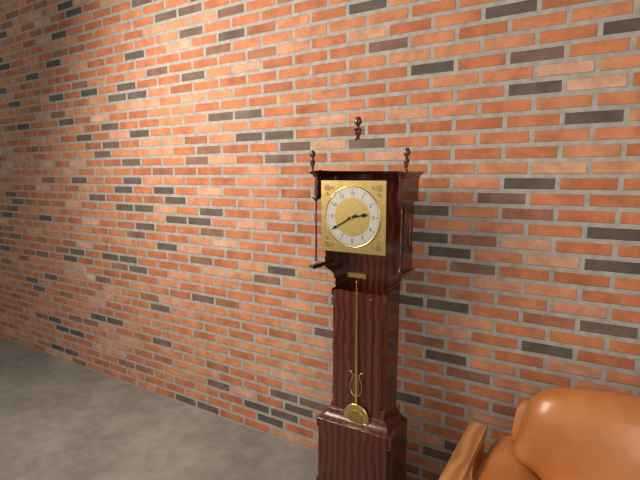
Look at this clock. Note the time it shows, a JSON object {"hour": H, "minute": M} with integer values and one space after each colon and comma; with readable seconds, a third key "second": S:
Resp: {"hour": 2, "minute": 40}
